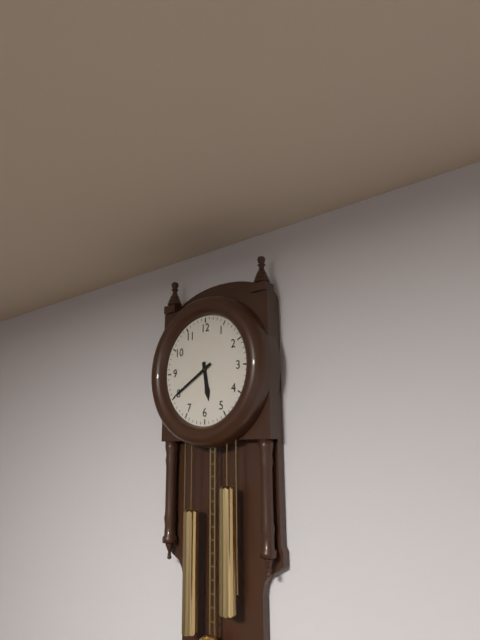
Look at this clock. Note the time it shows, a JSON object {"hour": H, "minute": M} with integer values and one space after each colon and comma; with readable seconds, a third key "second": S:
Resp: {"hour": 5, "minute": 40}
